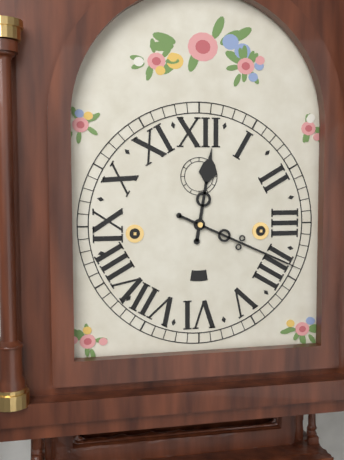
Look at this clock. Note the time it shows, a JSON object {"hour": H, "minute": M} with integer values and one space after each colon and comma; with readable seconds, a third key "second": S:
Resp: {"hour": 12, "minute": 19}
